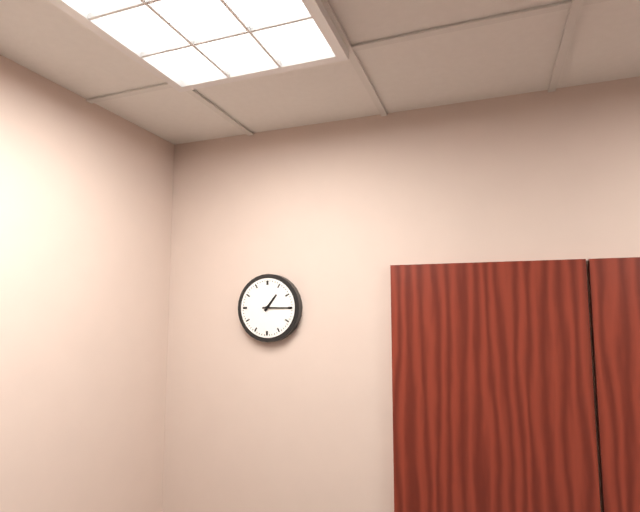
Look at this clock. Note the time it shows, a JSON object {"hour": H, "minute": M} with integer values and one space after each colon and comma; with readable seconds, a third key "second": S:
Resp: {"hour": 1, "minute": 15}
